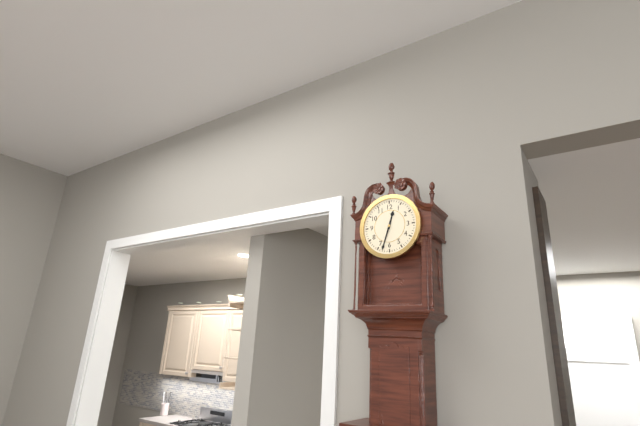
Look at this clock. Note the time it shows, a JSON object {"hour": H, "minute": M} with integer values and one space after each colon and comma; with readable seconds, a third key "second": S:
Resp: {"hour": 12, "minute": 33}
